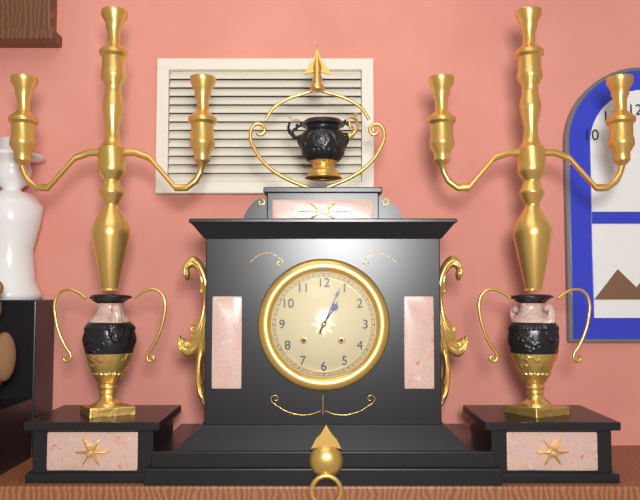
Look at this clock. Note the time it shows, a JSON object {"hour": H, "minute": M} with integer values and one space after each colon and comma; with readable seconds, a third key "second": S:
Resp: {"hour": 1, "minute": 4}
